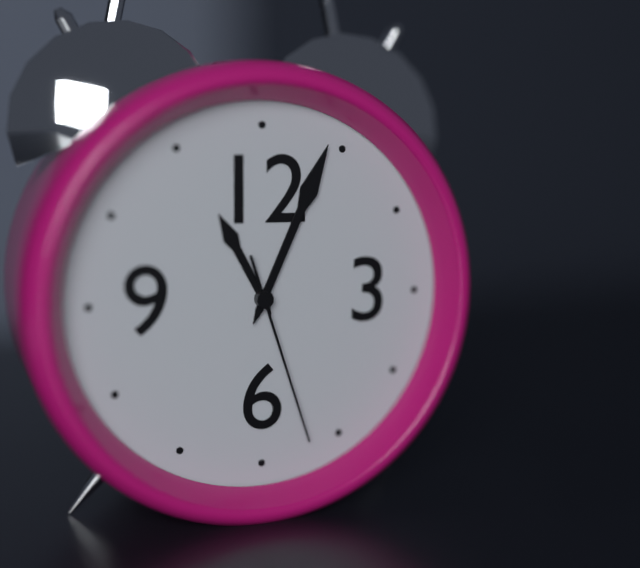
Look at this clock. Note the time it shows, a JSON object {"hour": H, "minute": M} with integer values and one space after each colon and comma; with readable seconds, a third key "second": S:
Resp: {"hour": 11, "minute": 4, "second": 27}
